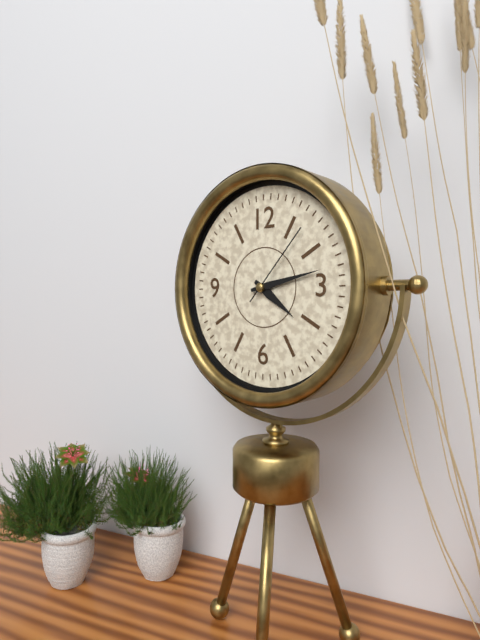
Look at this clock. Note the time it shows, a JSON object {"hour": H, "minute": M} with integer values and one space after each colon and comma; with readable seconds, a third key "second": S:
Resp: {"hour": 4, "minute": 13, "second": 7}
